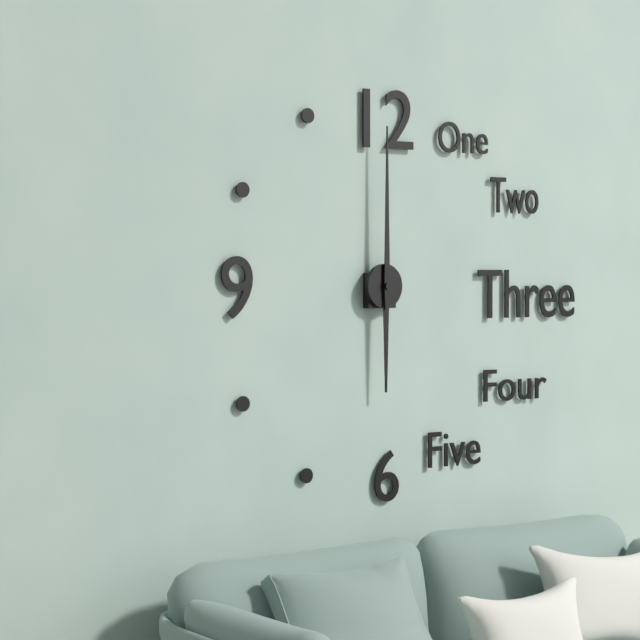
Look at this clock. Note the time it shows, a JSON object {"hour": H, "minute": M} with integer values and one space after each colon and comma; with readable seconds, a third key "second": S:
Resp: {"hour": 6, "minute": 0}
